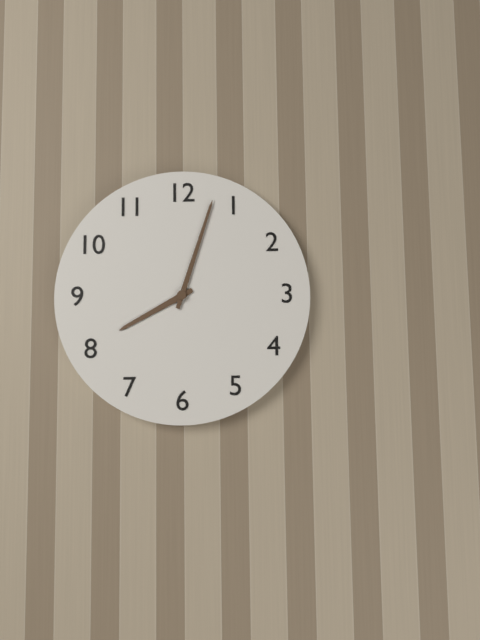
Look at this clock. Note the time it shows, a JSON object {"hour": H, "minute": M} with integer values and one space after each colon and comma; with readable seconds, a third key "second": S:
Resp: {"hour": 8, "minute": 3}
